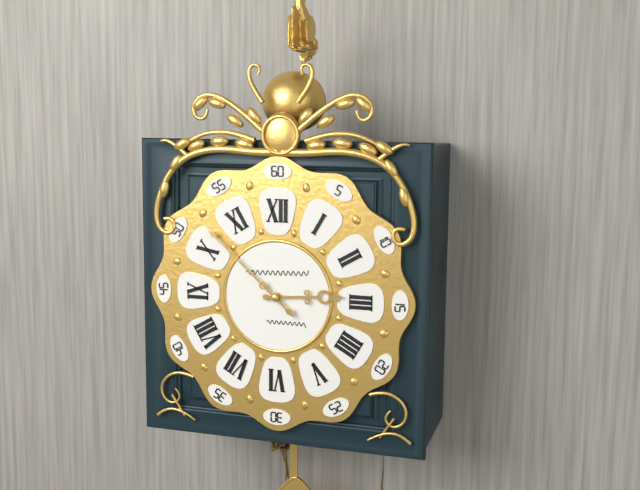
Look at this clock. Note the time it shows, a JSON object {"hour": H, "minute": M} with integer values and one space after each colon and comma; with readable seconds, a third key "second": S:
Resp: {"hour": 2, "minute": 52}
